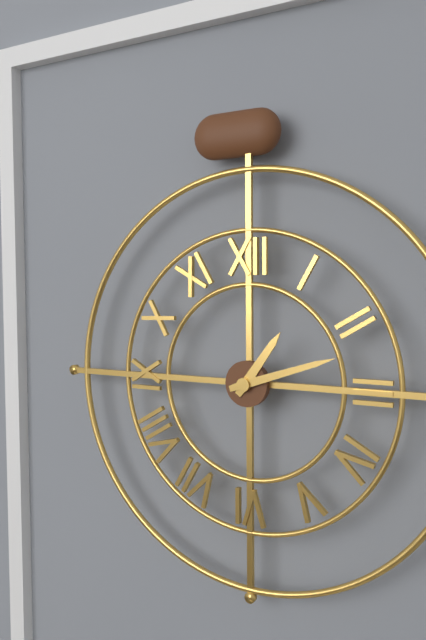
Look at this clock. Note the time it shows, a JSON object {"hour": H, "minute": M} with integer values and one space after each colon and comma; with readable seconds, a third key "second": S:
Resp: {"hour": 1, "minute": 12}
